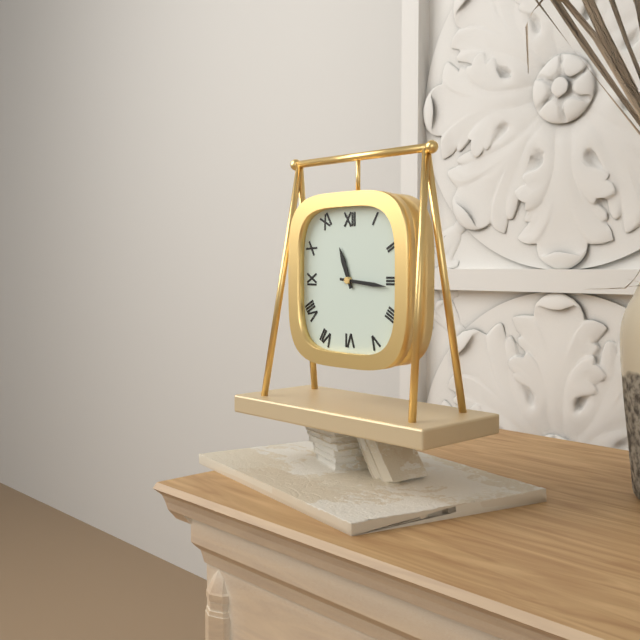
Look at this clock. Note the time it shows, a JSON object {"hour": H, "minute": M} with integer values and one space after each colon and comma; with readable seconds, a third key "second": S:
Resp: {"hour": 11, "minute": 16}
